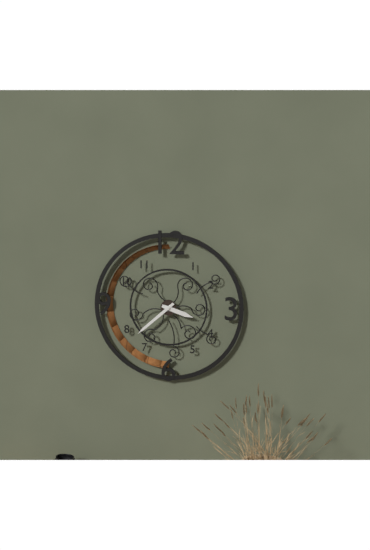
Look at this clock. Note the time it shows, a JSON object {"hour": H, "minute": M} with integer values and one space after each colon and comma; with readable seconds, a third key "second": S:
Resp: {"hour": 3, "minute": 38}
